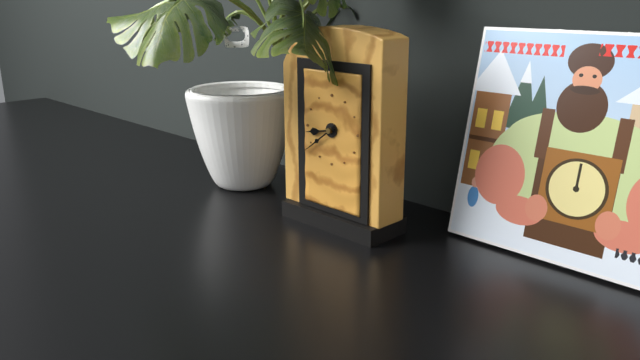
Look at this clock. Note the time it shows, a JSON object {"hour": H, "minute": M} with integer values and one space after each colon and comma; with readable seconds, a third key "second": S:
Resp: {"hour": 8, "minute": 39}
